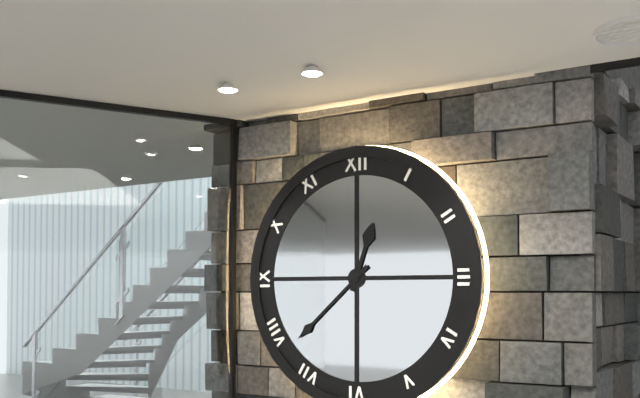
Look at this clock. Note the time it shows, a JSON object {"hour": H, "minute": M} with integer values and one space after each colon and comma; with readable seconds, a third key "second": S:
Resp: {"hour": 12, "minute": 38}
